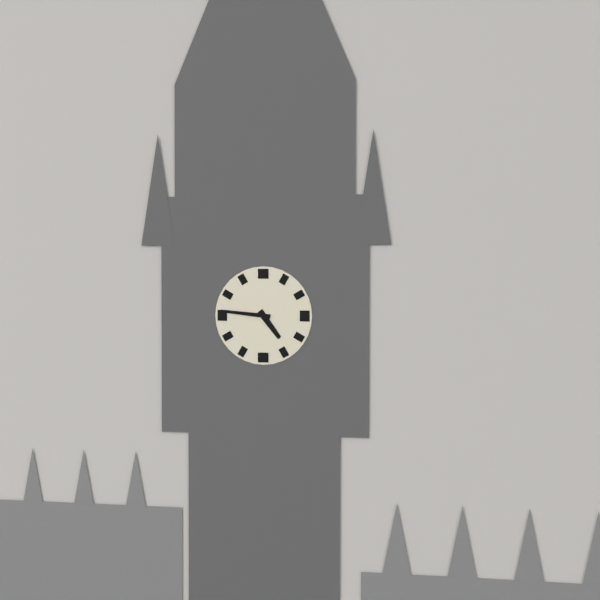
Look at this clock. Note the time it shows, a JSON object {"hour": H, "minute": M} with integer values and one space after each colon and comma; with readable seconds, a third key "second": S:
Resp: {"hour": 4, "minute": 46}
